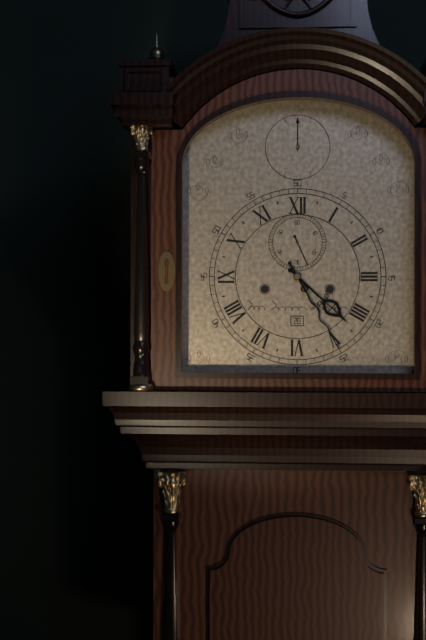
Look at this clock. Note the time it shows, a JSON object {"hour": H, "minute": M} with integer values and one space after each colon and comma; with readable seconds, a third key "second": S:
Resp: {"hour": 4, "minute": 25}
